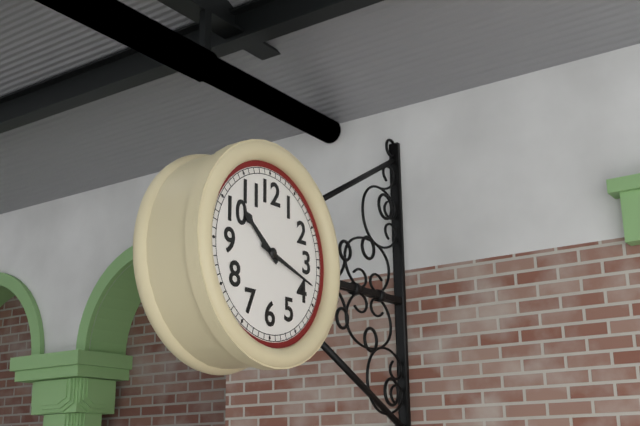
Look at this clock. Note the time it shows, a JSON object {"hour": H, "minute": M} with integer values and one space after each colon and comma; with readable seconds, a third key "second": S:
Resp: {"hour": 10, "minute": 18}
